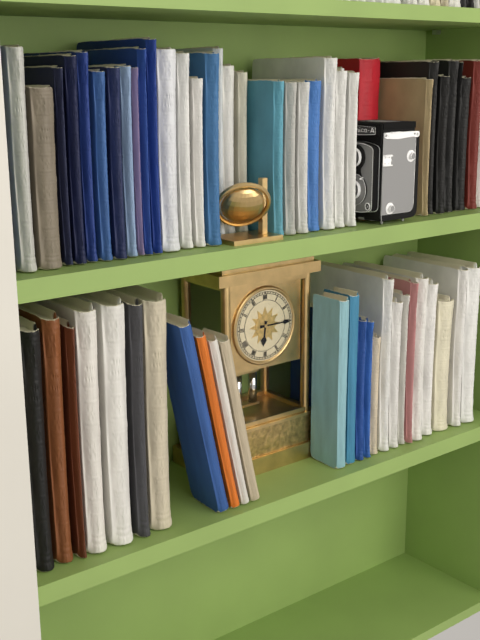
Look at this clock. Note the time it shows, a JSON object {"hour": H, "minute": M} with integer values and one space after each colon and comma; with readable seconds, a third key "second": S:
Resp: {"hour": 6, "minute": 15}
